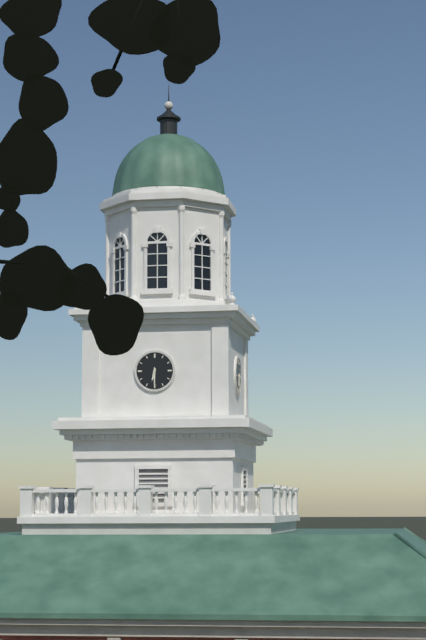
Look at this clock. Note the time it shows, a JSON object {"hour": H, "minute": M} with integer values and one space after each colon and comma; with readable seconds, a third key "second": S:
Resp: {"hour": 6, "minute": 30}
